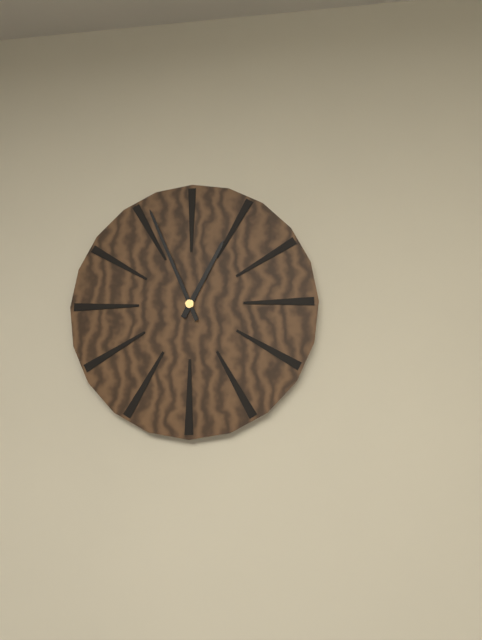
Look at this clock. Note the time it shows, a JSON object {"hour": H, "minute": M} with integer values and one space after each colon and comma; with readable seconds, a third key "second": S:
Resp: {"hour": 12, "minute": 56}
